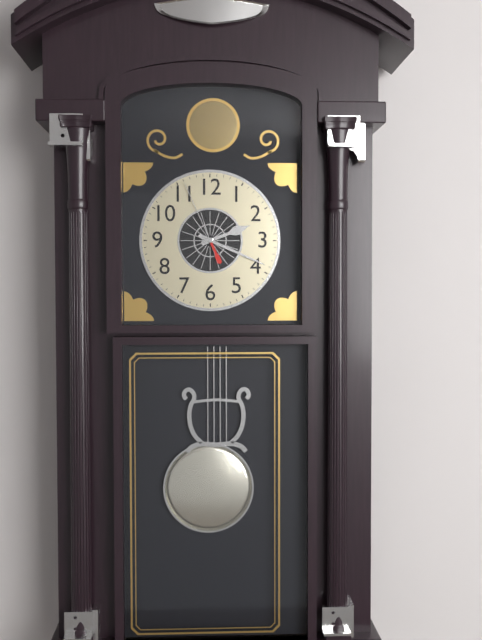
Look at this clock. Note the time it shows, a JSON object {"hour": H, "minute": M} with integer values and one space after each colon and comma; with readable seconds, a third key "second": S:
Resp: {"hour": 2, "minute": 19, "second": 56}
